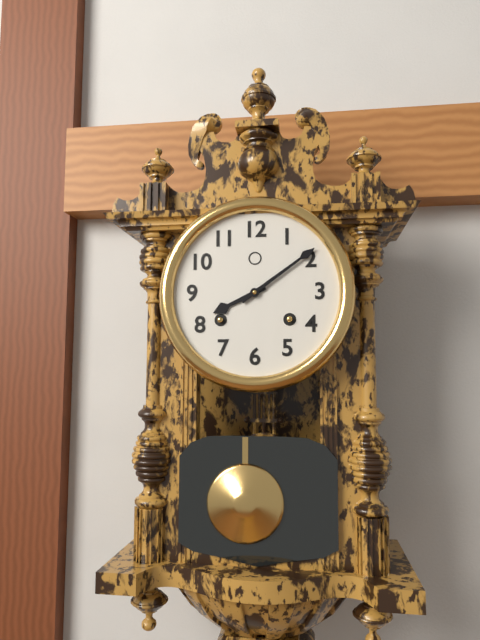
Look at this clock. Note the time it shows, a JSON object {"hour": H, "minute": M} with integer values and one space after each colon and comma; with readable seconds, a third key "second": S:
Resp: {"hour": 8, "minute": 9}
